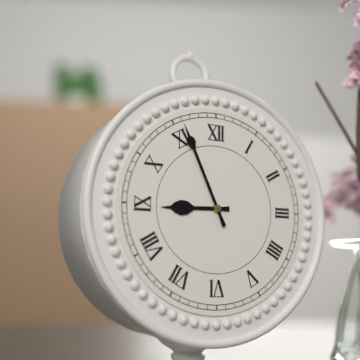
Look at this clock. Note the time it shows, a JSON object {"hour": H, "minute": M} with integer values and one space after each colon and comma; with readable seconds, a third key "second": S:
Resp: {"hour": 8, "minute": 56}
